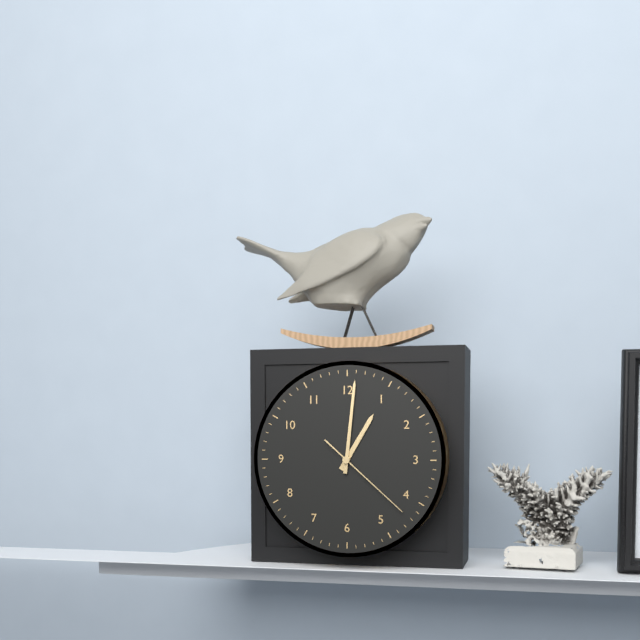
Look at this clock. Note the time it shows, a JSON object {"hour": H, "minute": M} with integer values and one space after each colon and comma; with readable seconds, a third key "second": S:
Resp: {"hour": 1, "minute": 1, "second": 22}
